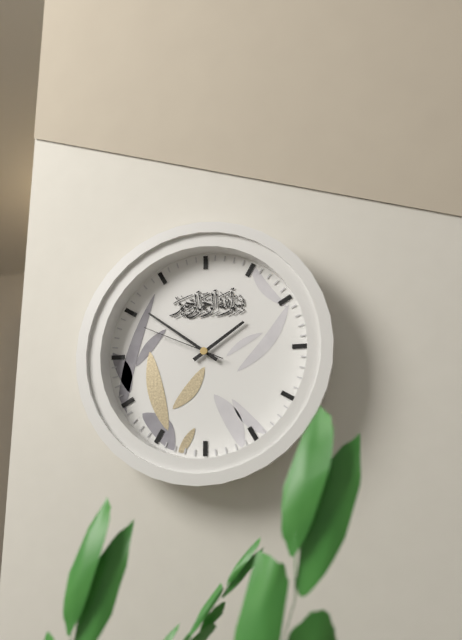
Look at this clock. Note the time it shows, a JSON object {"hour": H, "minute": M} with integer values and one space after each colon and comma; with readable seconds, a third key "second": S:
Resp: {"hour": 1, "minute": 51, "second": 49}
